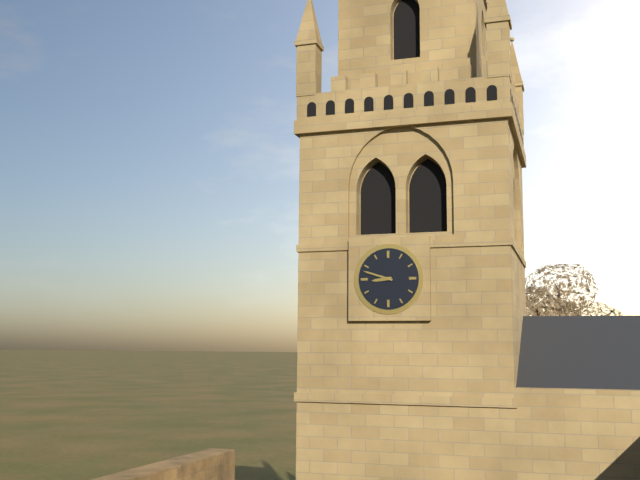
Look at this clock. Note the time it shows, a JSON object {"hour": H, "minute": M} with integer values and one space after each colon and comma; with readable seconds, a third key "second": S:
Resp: {"hour": 8, "minute": 48}
